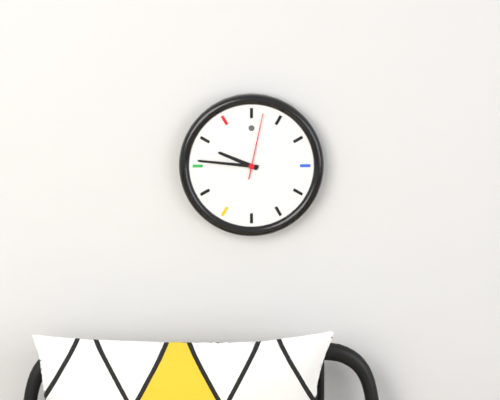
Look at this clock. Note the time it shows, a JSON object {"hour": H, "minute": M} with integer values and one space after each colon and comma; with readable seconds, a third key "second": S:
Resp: {"hour": 9, "minute": 46, "second": 2}
